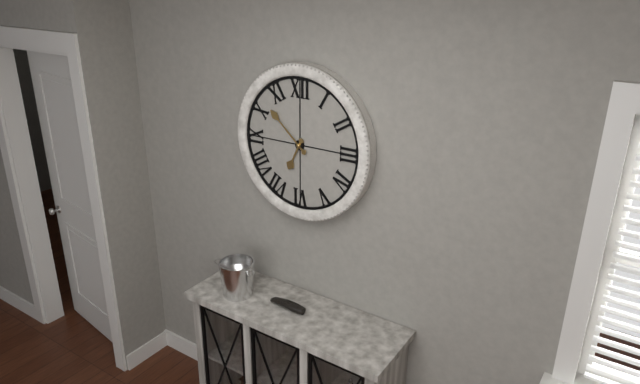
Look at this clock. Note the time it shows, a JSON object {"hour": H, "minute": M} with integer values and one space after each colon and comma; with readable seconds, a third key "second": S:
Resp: {"hour": 6, "minute": 52}
